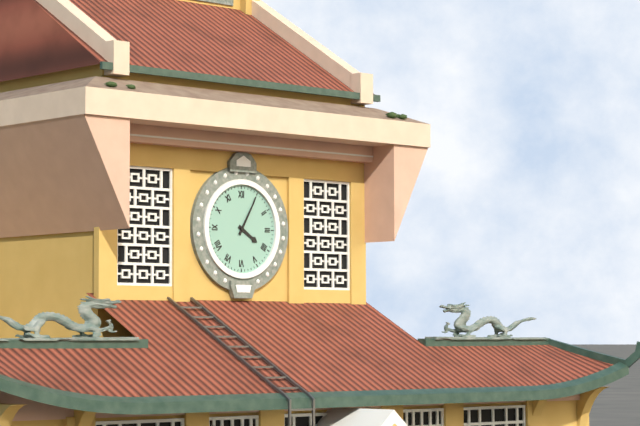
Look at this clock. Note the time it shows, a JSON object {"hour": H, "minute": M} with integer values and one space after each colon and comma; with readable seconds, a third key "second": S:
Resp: {"hour": 4, "minute": 5}
